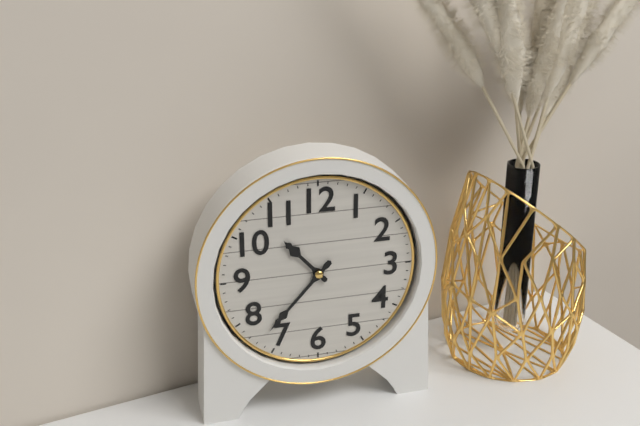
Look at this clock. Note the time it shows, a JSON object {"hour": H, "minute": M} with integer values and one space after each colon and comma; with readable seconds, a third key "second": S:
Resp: {"hour": 10, "minute": 37}
